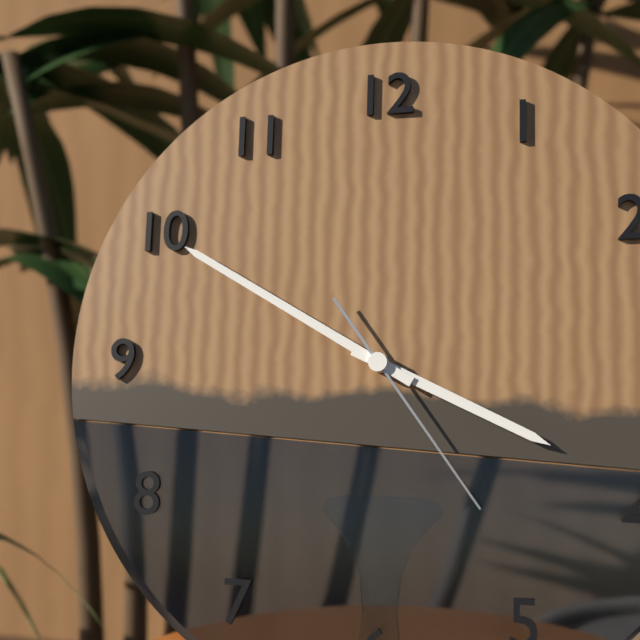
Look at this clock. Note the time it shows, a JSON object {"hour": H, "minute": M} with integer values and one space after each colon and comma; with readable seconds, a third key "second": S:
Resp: {"hour": 3, "minute": 50, "second": 24}
